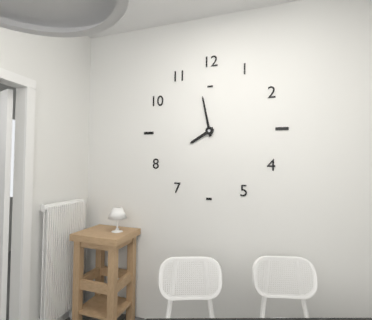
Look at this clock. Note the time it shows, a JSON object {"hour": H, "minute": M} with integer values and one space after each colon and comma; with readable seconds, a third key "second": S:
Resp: {"hour": 7, "minute": 58}
